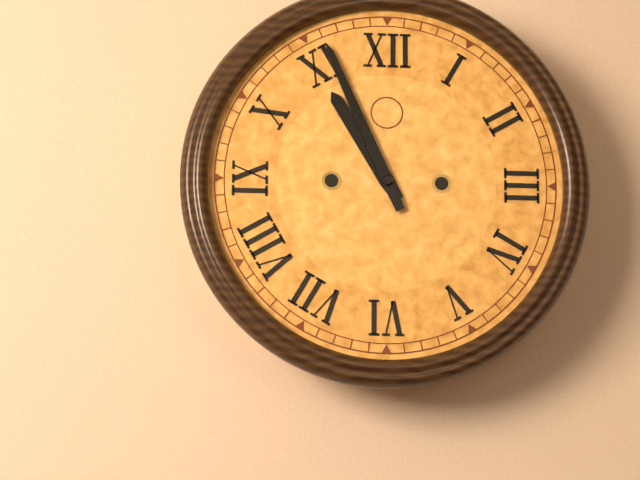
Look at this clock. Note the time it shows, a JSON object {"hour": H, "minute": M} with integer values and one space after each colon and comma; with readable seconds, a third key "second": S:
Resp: {"hour": 10, "minute": 56}
